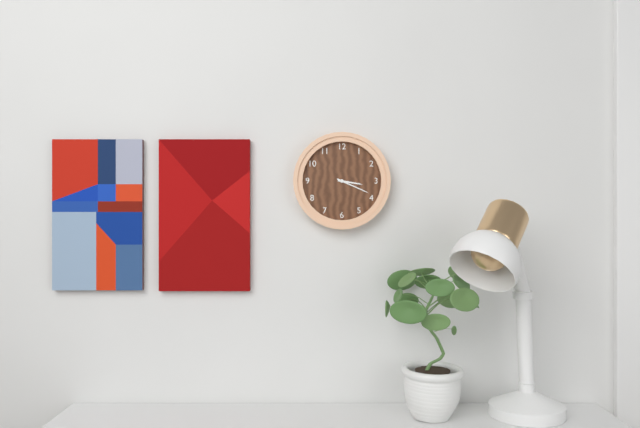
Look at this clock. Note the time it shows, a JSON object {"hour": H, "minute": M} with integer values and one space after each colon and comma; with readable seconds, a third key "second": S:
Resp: {"hour": 3, "minute": 19}
